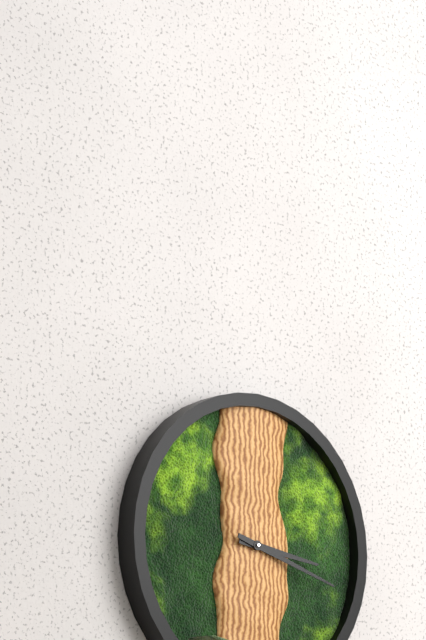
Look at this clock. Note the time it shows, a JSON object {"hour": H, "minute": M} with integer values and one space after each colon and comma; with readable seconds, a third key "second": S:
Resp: {"hour": 3, "minute": 18}
